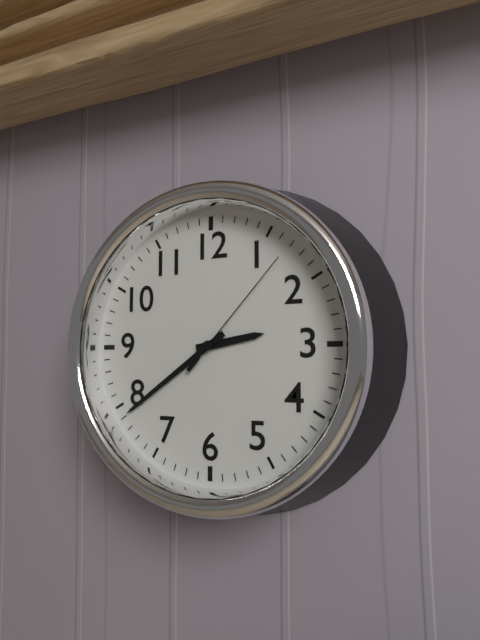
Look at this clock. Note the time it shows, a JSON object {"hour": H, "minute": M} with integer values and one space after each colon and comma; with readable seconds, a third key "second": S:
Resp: {"hour": 2, "minute": 39, "second": 7}
